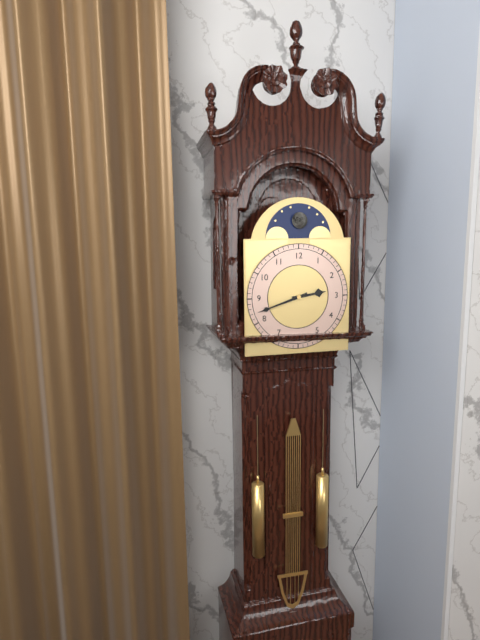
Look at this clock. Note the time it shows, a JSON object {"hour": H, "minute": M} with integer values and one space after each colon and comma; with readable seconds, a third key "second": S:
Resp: {"hour": 2, "minute": 42}
